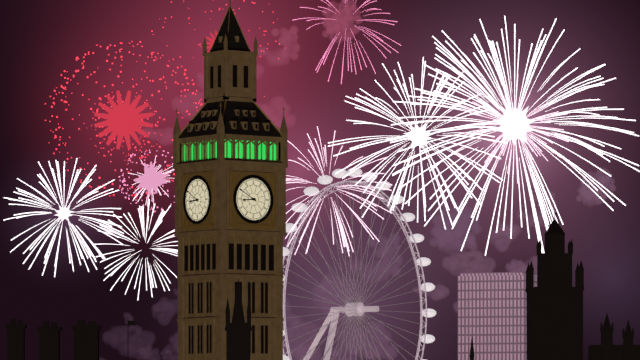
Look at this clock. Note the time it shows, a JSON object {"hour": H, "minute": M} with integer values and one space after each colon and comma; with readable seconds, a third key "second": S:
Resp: {"hour": 8, "minute": 50}
